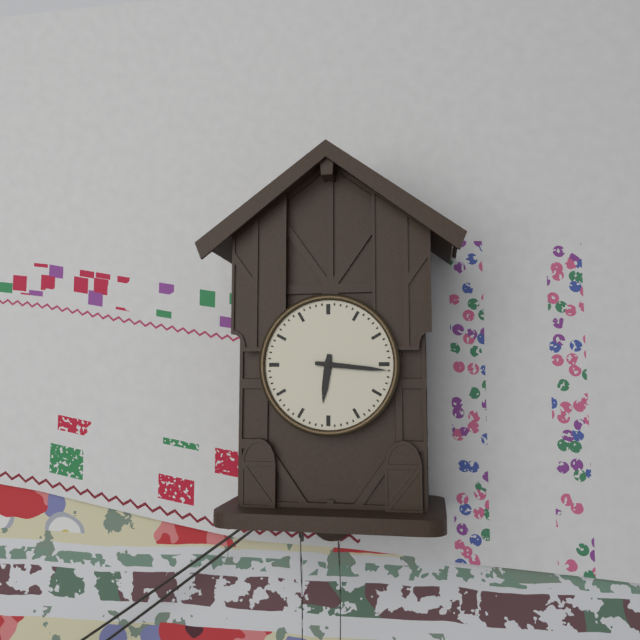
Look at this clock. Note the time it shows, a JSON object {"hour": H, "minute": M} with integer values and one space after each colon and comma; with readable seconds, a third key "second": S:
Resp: {"hour": 6, "minute": 16}
